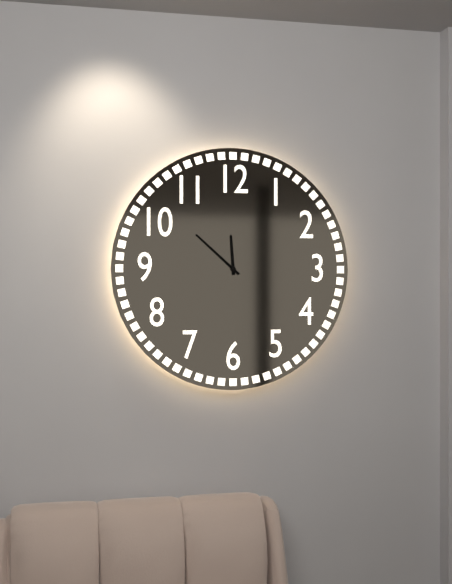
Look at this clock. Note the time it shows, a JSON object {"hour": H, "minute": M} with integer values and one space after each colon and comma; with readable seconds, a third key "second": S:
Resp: {"hour": 11, "minute": 52}
